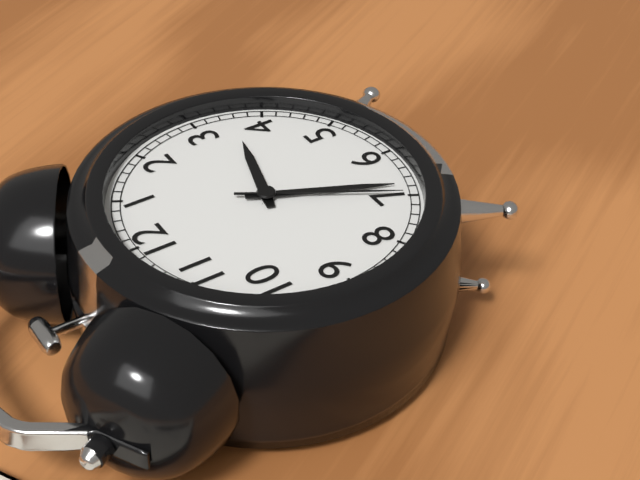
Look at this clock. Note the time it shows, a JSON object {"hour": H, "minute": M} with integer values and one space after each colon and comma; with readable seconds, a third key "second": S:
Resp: {"hour": 3, "minute": 34, "second": 35}
